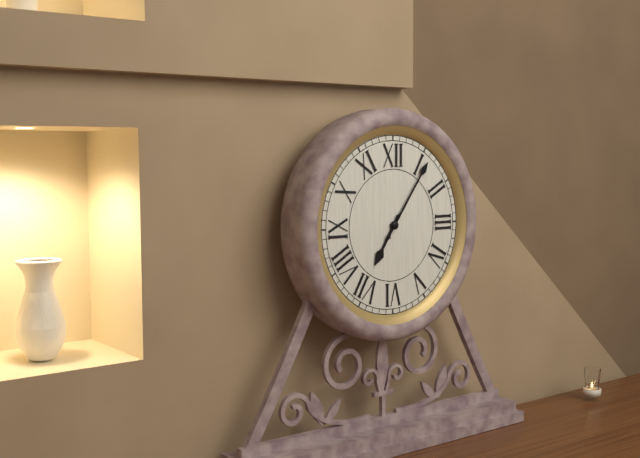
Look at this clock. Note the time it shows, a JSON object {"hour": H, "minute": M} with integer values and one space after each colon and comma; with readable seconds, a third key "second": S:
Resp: {"hour": 7, "minute": 6}
